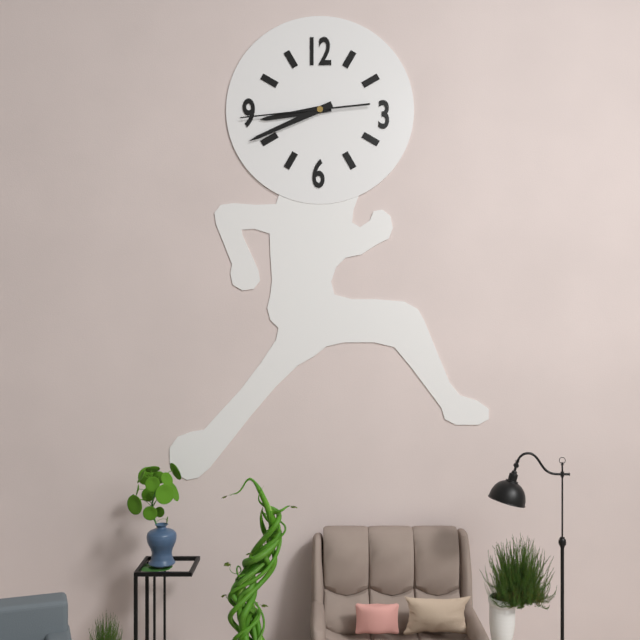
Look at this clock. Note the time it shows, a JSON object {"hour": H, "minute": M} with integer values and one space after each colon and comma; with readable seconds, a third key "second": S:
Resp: {"hour": 8, "minute": 41, "second": 44}
